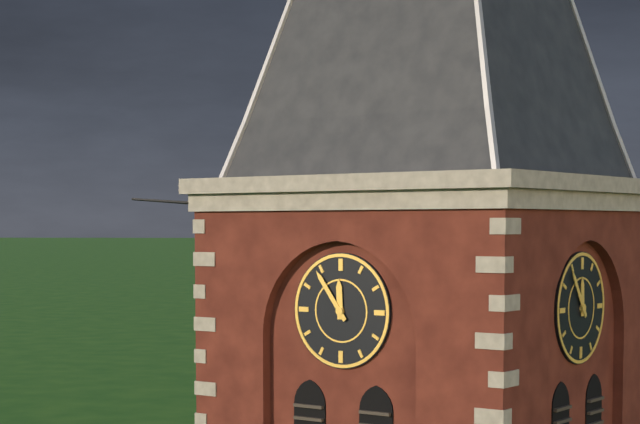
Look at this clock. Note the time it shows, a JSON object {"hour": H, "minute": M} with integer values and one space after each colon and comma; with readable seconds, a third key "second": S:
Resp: {"hour": 11, "minute": 54}
